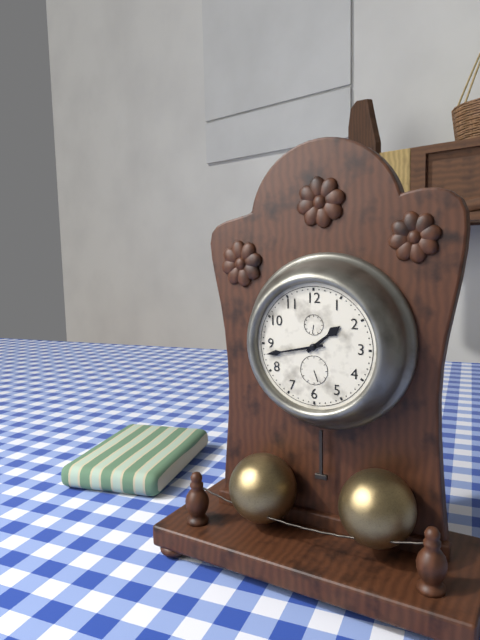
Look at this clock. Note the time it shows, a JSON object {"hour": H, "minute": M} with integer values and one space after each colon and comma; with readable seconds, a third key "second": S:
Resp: {"hour": 1, "minute": 43}
